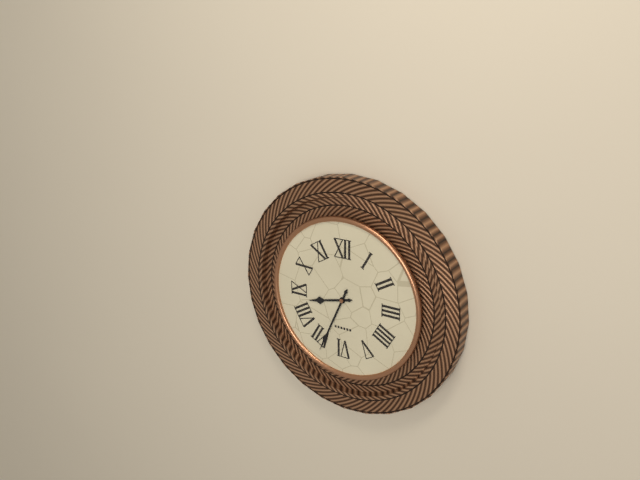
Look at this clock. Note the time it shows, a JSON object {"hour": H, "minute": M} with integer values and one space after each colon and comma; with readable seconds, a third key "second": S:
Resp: {"hour": 8, "minute": 34}
